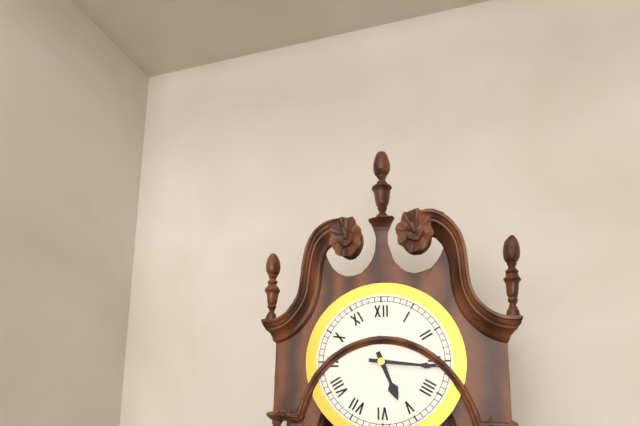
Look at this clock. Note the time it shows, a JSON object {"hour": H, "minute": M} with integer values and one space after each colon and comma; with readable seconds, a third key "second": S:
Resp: {"hour": 5, "minute": 16}
